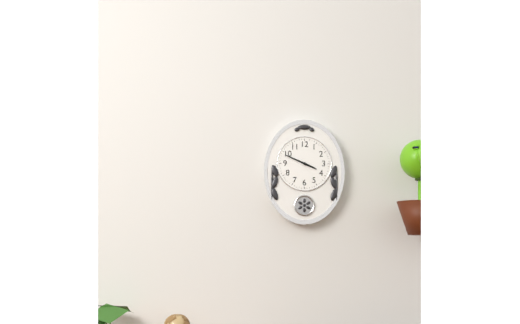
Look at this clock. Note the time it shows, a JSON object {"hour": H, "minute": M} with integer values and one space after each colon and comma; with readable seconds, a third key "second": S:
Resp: {"hour": 3, "minute": 49}
